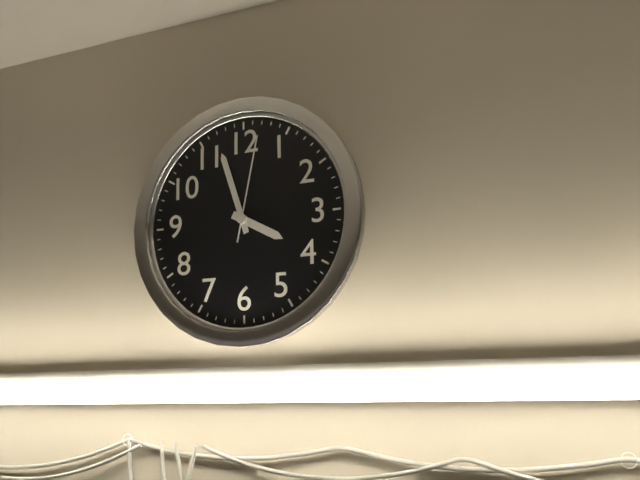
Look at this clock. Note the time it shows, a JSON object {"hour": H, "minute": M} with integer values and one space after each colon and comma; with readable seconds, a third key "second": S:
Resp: {"hour": 3, "minute": 57, "second": 2}
